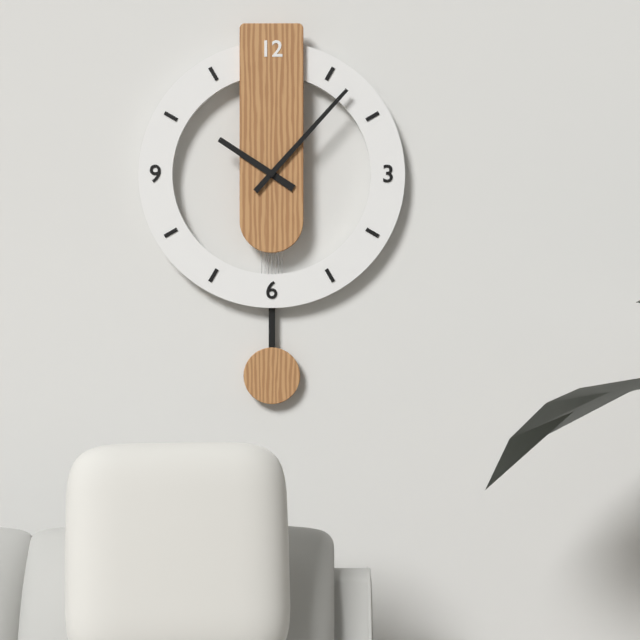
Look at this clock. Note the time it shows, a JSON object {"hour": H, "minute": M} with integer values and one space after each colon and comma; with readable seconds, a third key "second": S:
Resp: {"hour": 10, "minute": 7}
